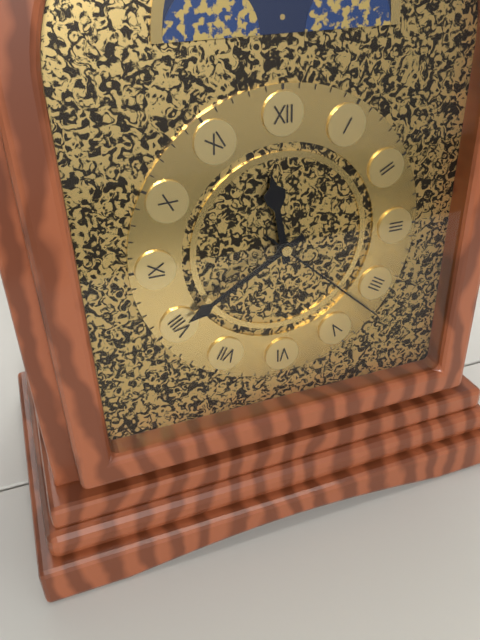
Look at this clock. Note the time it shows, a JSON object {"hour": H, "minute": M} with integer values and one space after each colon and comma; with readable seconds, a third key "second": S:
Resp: {"hour": 11, "minute": 40, "second": 22}
